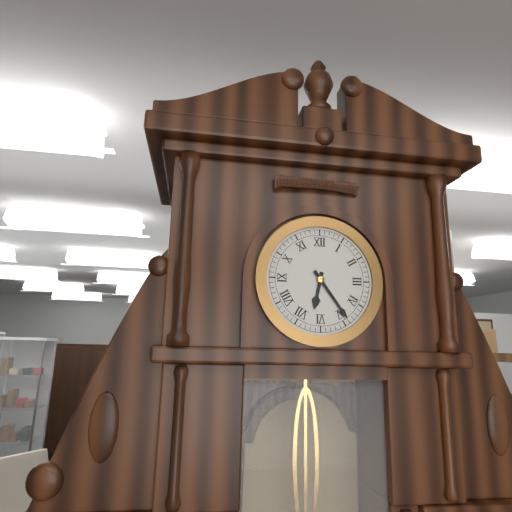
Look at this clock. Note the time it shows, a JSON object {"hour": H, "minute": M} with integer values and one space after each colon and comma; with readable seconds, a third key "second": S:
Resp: {"hour": 6, "minute": 24}
